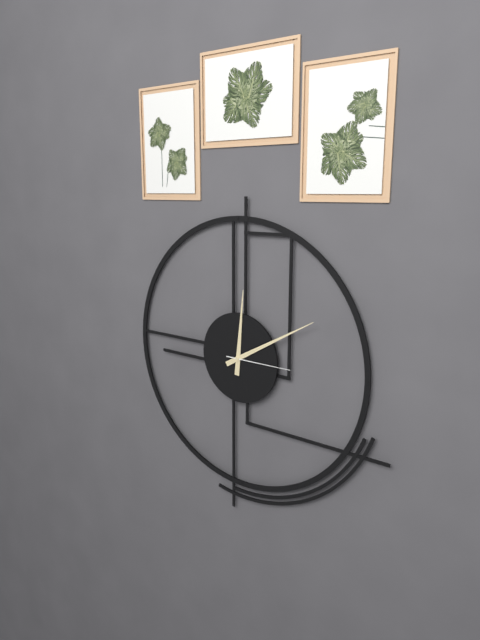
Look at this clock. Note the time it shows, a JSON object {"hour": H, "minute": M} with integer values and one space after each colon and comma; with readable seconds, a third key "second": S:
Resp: {"hour": 12, "minute": 10, "second": 15}
